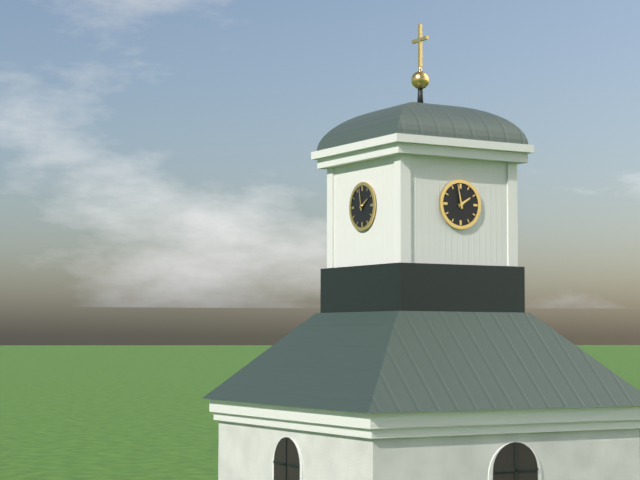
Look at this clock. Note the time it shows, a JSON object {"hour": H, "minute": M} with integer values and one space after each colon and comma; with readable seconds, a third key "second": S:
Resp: {"hour": 1, "minute": 58}
